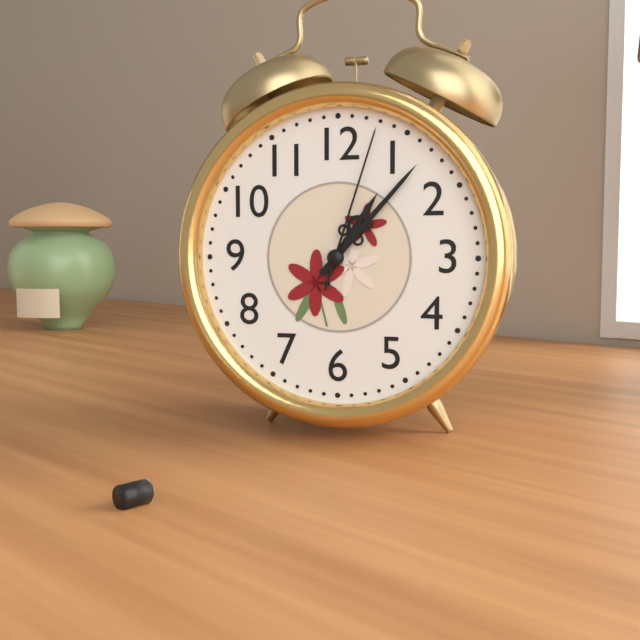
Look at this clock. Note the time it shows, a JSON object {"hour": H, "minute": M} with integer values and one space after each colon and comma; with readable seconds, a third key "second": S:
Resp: {"hour": 1, "minute": 7, "second": 3}
